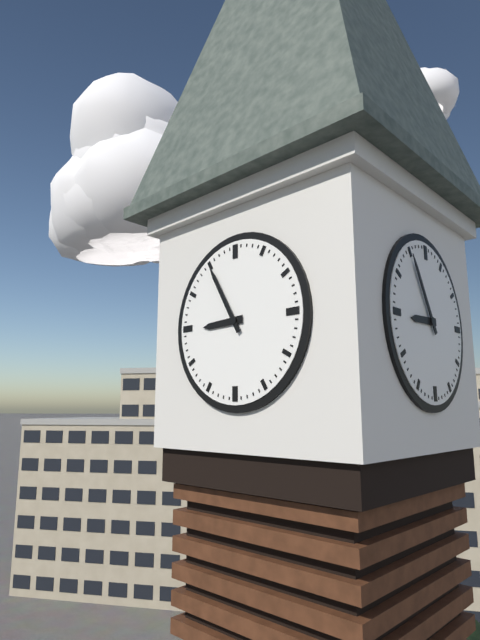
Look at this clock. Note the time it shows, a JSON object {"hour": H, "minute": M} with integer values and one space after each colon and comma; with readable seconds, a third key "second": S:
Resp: {"hour": 8, "minute": 55}
